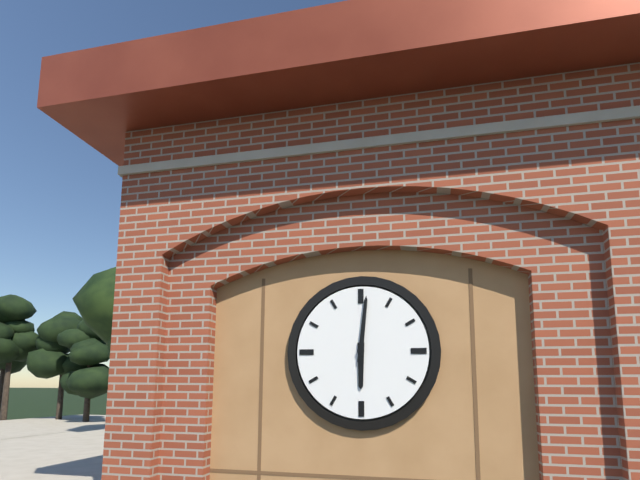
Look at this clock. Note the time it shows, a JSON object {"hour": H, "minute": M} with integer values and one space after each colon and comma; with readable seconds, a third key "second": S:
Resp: {"hour": 6, "minute": 1}
